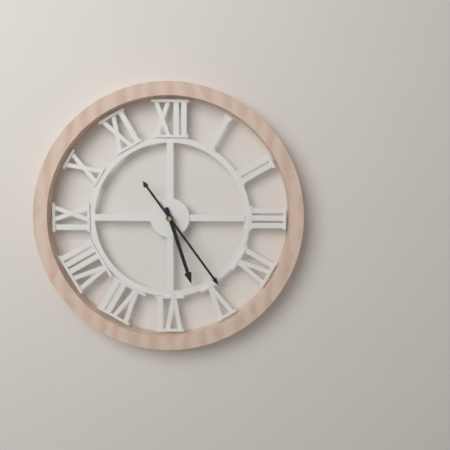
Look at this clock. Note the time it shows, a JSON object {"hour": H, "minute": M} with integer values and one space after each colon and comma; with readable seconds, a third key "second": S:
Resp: {"hour": 5, "minute": 24}
